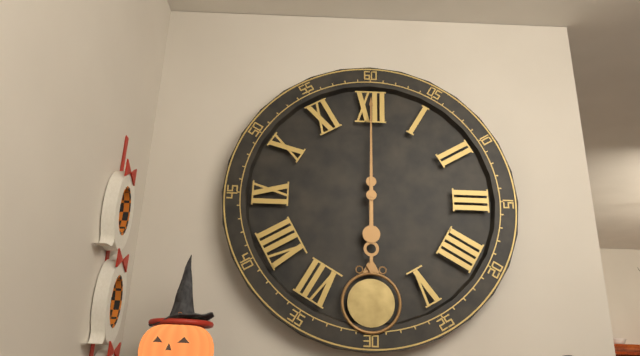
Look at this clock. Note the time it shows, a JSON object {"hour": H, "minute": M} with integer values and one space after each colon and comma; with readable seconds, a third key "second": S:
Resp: {"hour": 6, "minute": 0}
